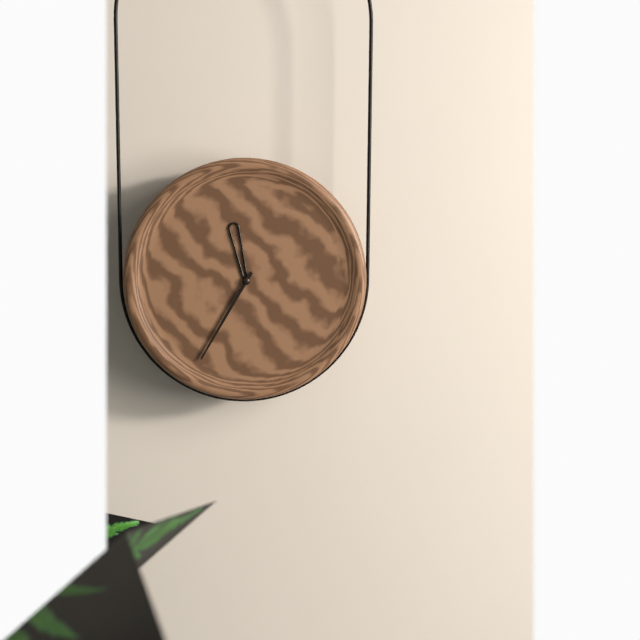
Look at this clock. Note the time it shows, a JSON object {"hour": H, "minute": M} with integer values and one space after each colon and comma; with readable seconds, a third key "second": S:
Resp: {"hour": 11, "minute": 35}
